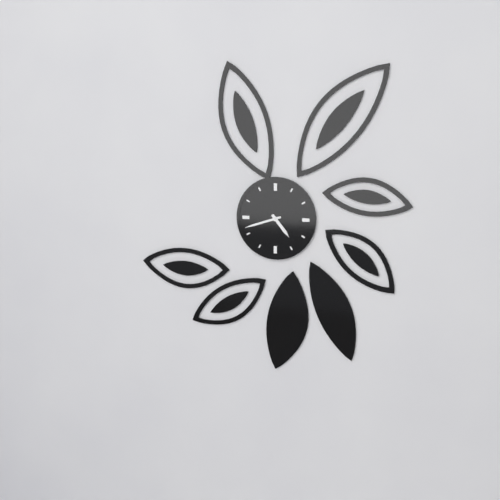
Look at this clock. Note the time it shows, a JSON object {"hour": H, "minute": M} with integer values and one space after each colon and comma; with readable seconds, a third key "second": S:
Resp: {"hour": 4, "minute": 42}
